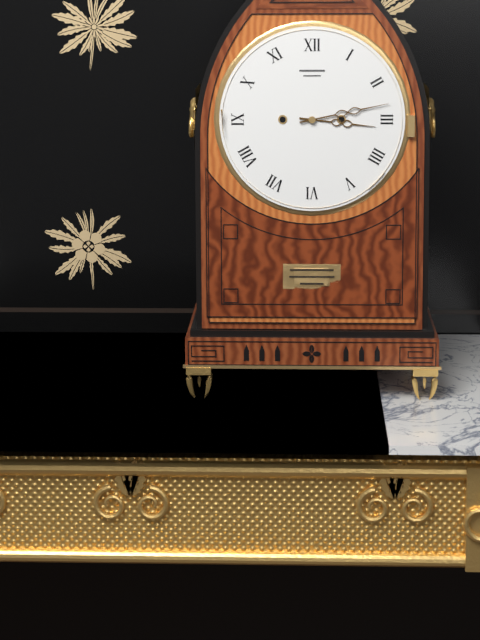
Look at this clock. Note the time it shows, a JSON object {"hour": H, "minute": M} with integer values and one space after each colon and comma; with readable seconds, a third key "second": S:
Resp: {"hour": 3, "minute": 13}
